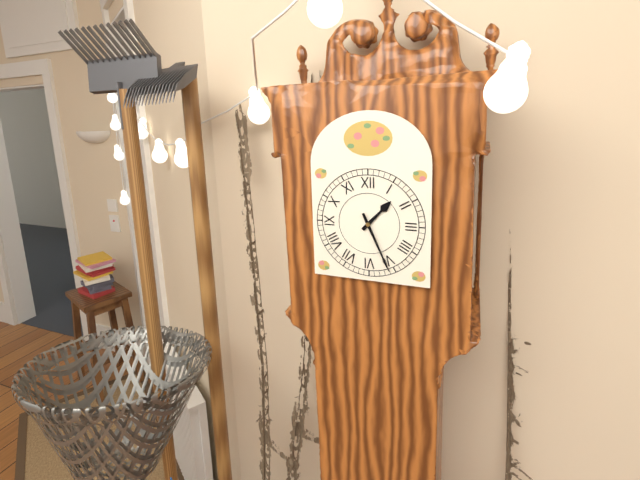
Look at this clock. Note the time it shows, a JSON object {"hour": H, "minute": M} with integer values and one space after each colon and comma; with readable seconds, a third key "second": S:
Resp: {"hour": 1, "minute": 26}
